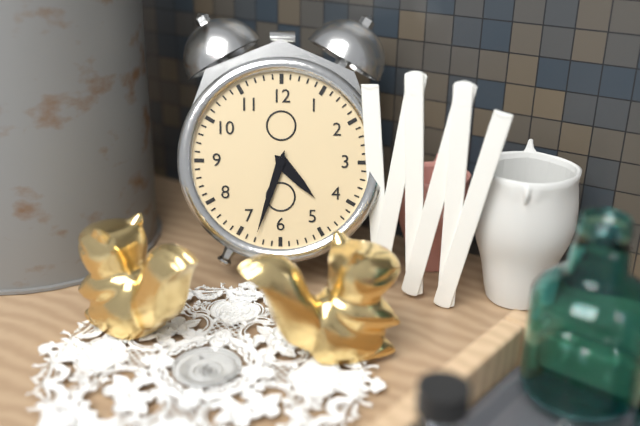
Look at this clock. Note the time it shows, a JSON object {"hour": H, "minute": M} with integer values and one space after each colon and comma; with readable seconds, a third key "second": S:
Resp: {"hour": 4, "minute": 33}
